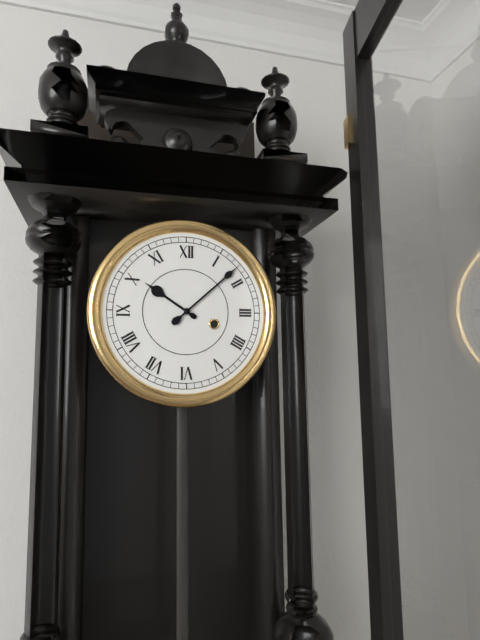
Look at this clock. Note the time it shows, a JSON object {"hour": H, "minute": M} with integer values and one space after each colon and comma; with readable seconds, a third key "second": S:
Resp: {"hour": 10, "minute": 8}
